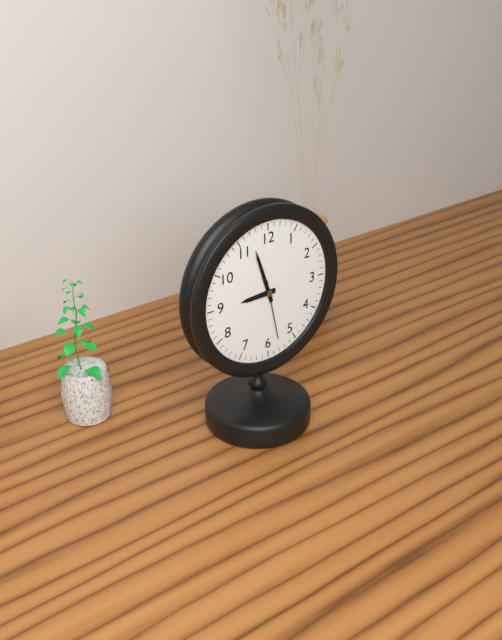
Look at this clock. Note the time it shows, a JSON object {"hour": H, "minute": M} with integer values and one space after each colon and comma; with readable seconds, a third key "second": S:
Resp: {"hour": 8, "minute": 57, "second": 28}
